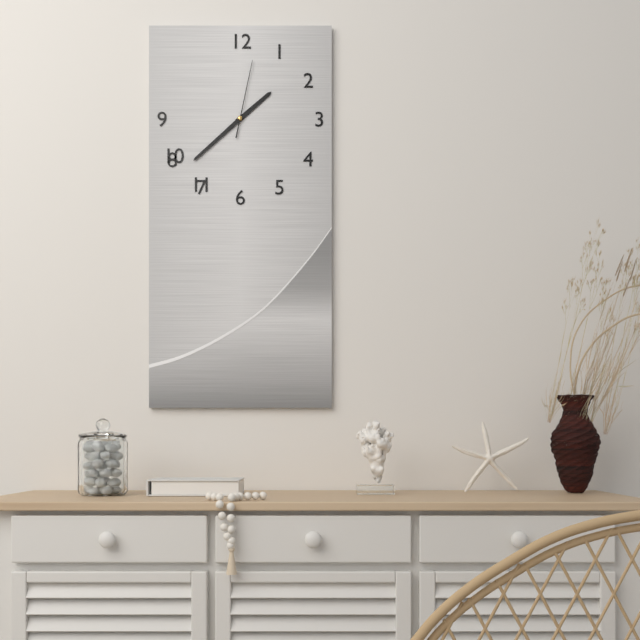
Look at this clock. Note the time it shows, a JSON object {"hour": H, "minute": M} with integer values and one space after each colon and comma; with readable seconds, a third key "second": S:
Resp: {"hour": 1, "minute": 38, "second": 2}
